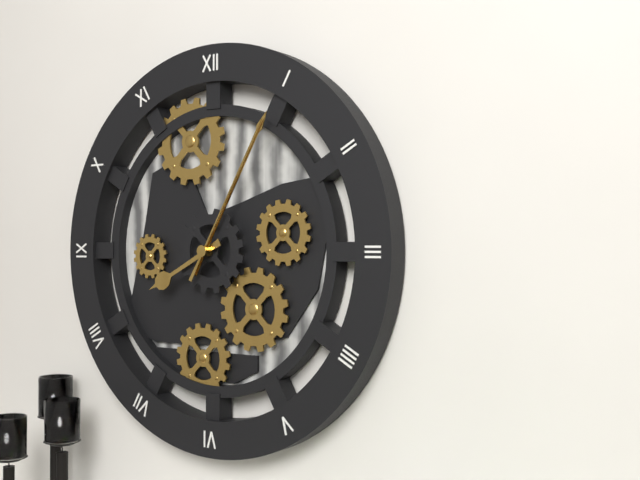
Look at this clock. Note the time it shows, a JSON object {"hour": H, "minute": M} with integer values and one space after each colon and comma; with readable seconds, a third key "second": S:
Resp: {"hour": 8, "minute": 5, "second": 5}
